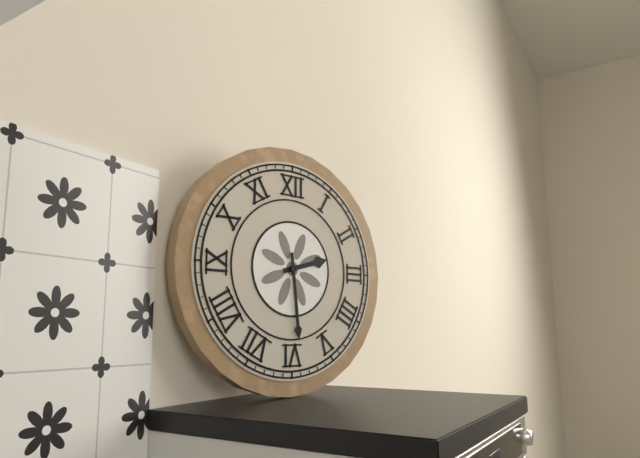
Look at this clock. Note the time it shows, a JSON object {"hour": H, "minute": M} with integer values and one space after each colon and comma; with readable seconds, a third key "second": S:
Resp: {"hour": 2, "minute": 29}
